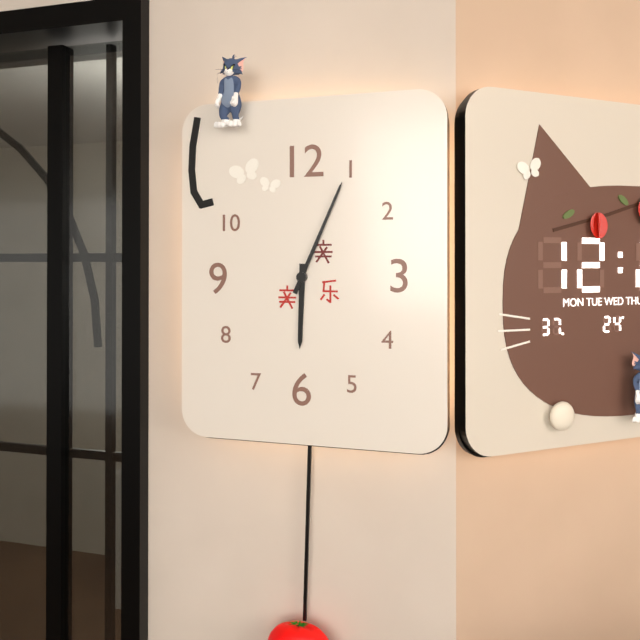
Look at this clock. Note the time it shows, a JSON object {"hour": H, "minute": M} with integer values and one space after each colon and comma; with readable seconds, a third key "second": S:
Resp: {"hour": 6, "minute": 4}
